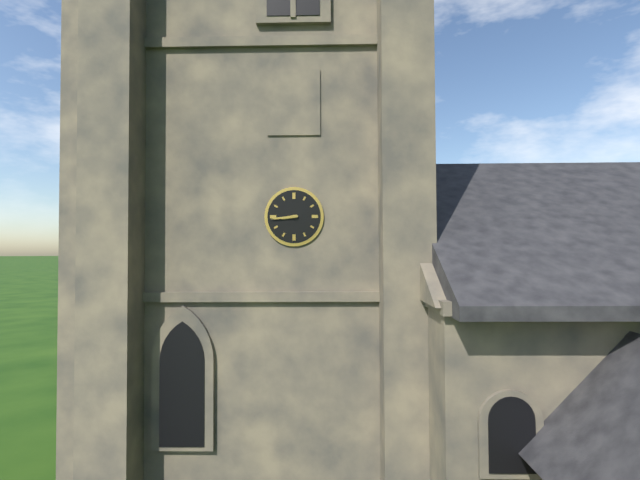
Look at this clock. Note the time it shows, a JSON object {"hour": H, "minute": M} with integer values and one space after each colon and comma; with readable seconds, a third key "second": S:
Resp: {"hour": 8, "minute": 44}
